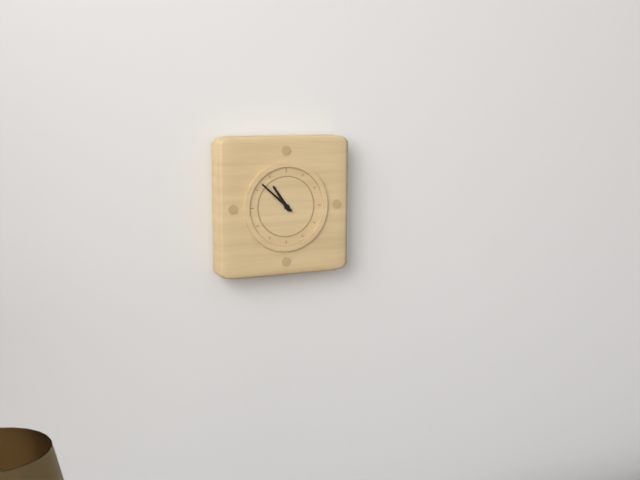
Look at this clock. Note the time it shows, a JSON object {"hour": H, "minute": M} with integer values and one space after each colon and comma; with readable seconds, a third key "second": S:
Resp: {"hour": 10, "minute": 52}
